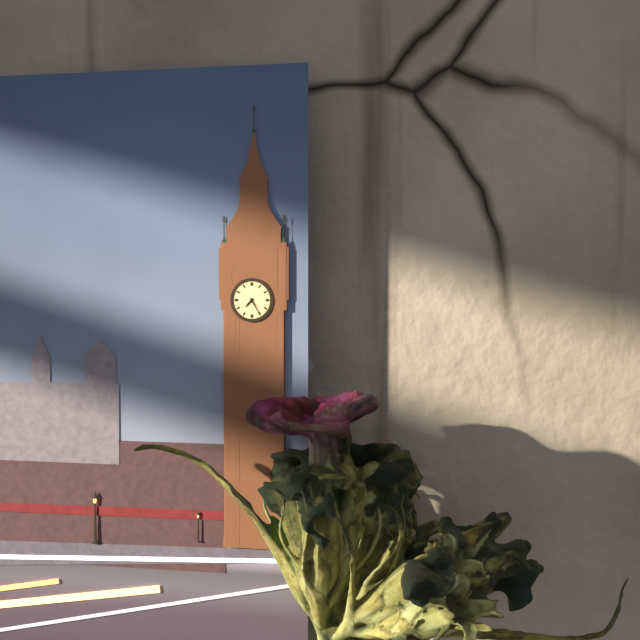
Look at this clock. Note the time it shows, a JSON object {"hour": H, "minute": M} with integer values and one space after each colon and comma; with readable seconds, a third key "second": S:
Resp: {"hour": 7, "minute": 25}
